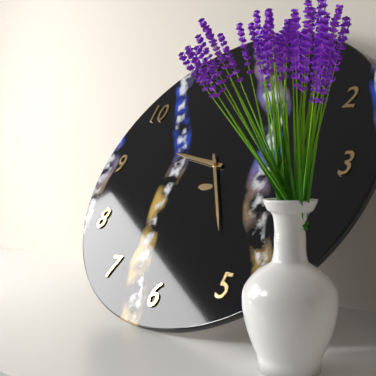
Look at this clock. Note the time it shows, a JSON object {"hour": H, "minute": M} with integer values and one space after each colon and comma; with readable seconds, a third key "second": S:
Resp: {"hour": 9, "minute": 25}
